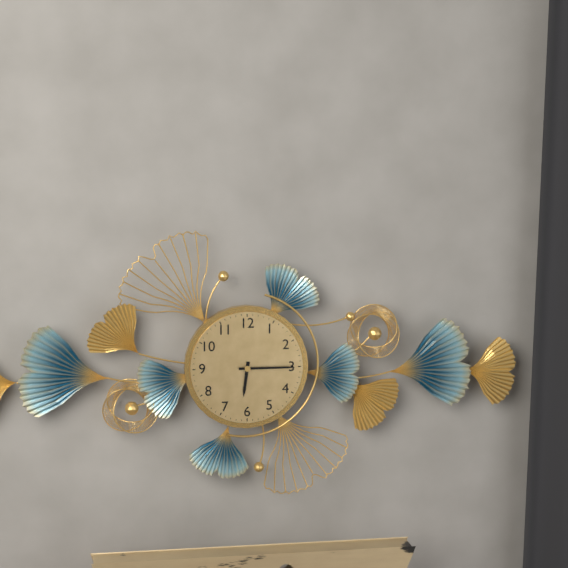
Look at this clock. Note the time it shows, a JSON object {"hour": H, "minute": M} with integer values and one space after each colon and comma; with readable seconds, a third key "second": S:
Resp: {"hour": 6, "minute": 15}
